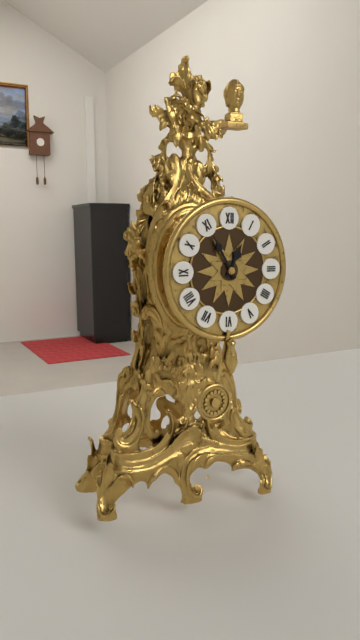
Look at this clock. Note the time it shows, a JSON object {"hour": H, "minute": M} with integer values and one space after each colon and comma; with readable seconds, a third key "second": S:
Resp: {"hour": 12, "minute": 55}
